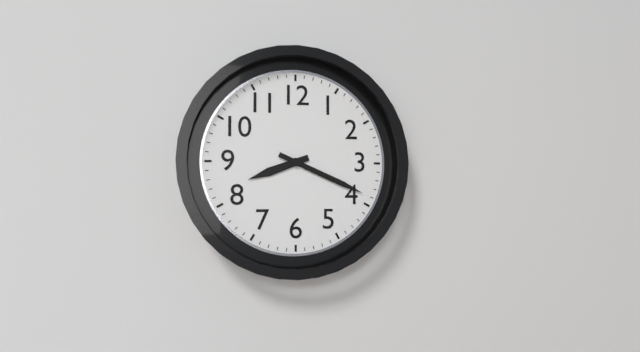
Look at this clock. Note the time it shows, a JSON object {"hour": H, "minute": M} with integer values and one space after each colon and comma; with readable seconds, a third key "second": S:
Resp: {"hour": 8, "minute": 19}
